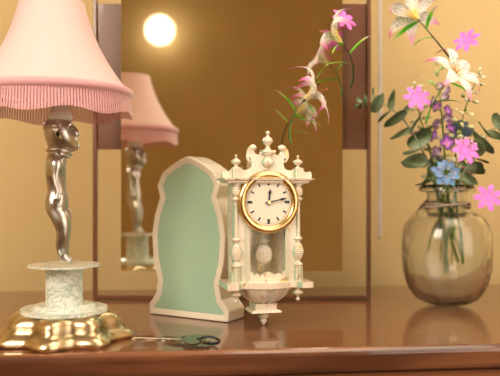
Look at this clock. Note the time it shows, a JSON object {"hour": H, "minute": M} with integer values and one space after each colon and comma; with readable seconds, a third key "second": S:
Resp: {"hour": 12, "minute": 13}
